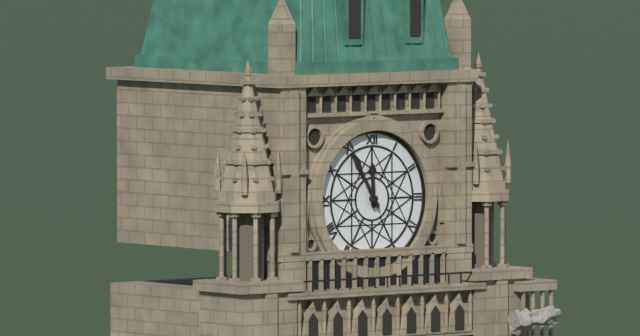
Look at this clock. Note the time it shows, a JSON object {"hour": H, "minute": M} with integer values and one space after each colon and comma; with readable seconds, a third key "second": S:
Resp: {"hour": 11, "minute": 55}
